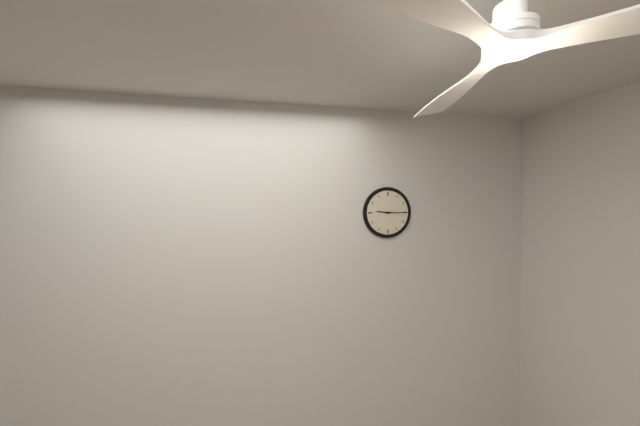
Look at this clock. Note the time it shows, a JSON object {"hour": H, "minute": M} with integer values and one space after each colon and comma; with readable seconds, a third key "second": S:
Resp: {"hour": 9, "minute": 15}
